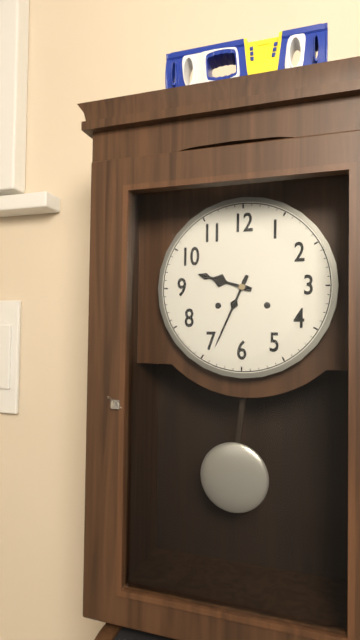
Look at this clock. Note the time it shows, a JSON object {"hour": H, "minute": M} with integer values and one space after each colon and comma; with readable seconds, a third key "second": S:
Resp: {"hour": 9, "minute": 34}
